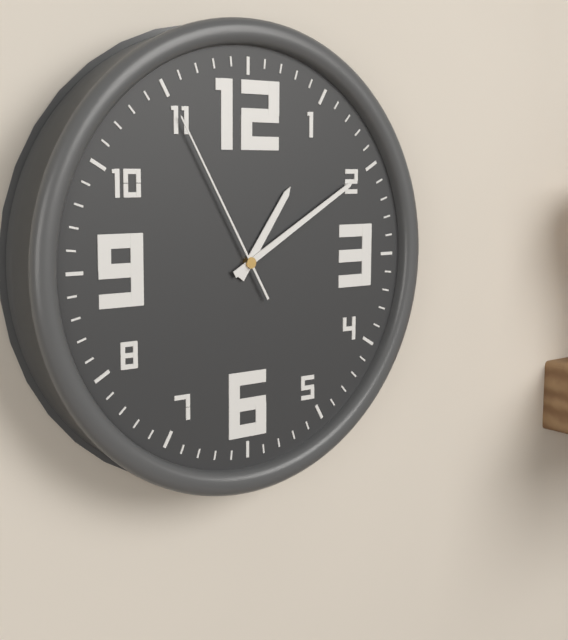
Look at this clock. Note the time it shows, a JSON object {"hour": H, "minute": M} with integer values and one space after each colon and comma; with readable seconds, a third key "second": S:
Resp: {"hour": 1, "minute": 10, "second": 55}
